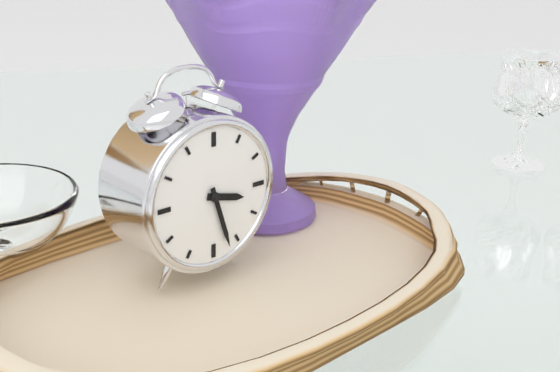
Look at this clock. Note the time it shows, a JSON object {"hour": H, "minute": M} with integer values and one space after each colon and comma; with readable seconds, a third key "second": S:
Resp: {"hour": 3, "minute": 27}
